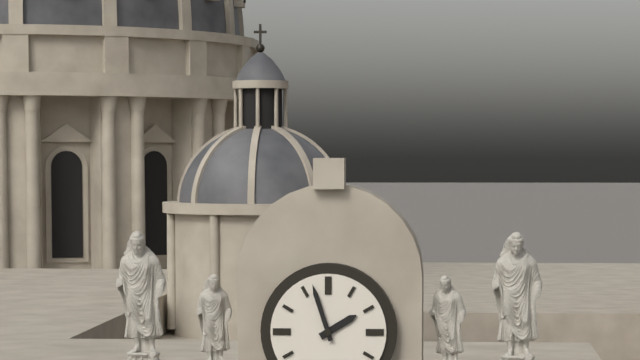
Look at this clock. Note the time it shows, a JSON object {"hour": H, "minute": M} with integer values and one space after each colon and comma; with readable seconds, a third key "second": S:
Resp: {"hour": 1, "minute": 57}
